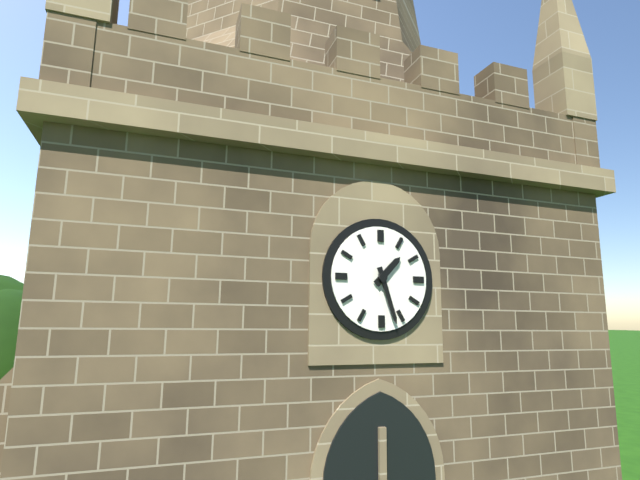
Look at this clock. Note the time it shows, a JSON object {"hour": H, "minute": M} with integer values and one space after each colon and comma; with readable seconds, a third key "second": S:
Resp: {"hour": 1, "minute": 27}
